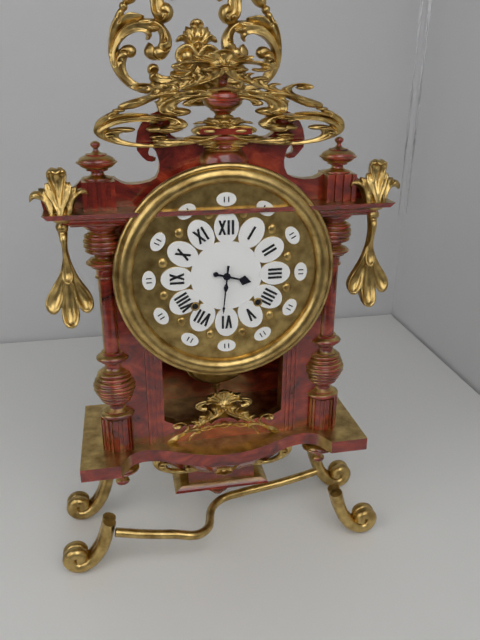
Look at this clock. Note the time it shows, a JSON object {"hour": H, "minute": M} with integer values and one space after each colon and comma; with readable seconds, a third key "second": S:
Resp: {"hour": 3, "minute": 31}
